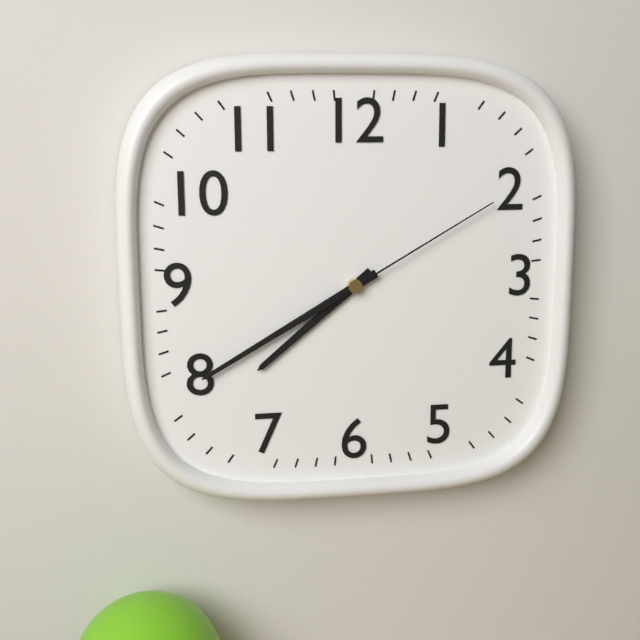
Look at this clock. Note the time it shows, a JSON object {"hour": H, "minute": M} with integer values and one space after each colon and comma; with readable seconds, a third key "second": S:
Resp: {"hour": 7, "minute": 40, "second": 10}
